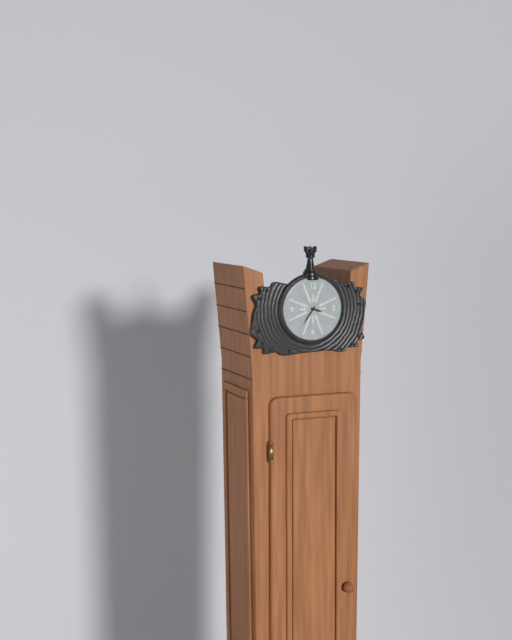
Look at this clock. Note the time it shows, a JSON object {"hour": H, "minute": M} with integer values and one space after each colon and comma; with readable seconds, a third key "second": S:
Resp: {"hour": 3, "minute": 36}
